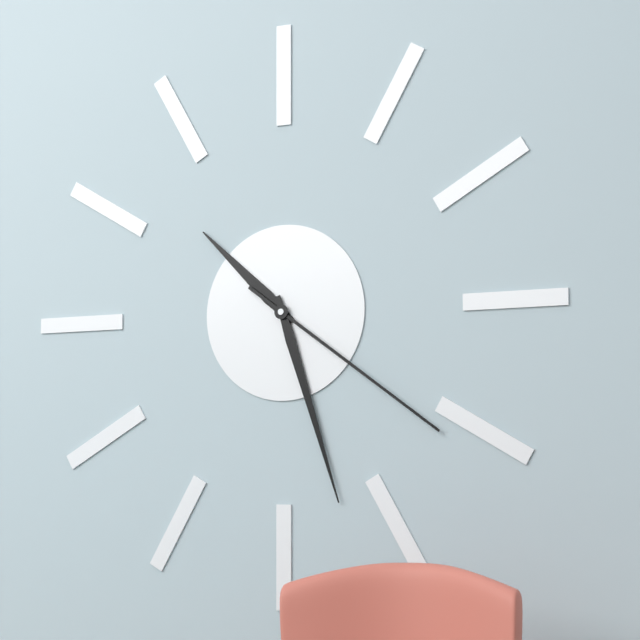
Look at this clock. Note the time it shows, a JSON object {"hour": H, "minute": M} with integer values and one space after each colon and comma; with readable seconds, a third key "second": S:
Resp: {"hour": 10, "minute": 27, "second": 21}
